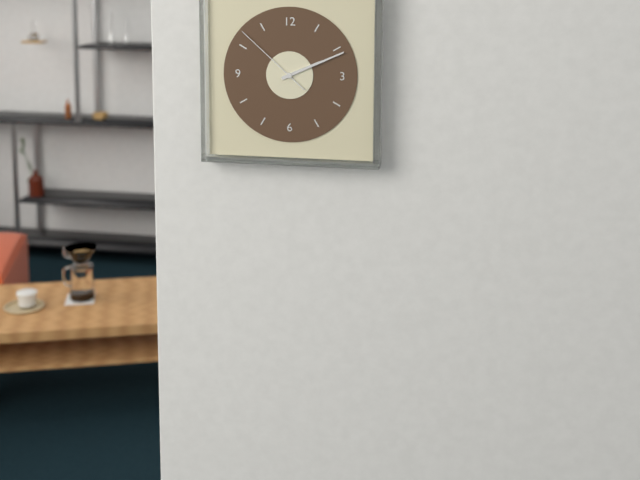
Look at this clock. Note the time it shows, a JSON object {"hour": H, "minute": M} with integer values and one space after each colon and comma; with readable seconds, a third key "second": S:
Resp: {"hour": 2, "minute": 11, "second": 52}
